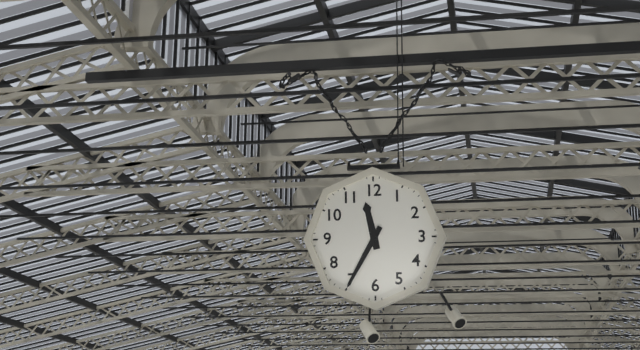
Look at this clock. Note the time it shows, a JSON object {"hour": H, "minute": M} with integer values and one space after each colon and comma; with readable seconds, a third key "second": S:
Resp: {"hour": 11, "minute": 35}
